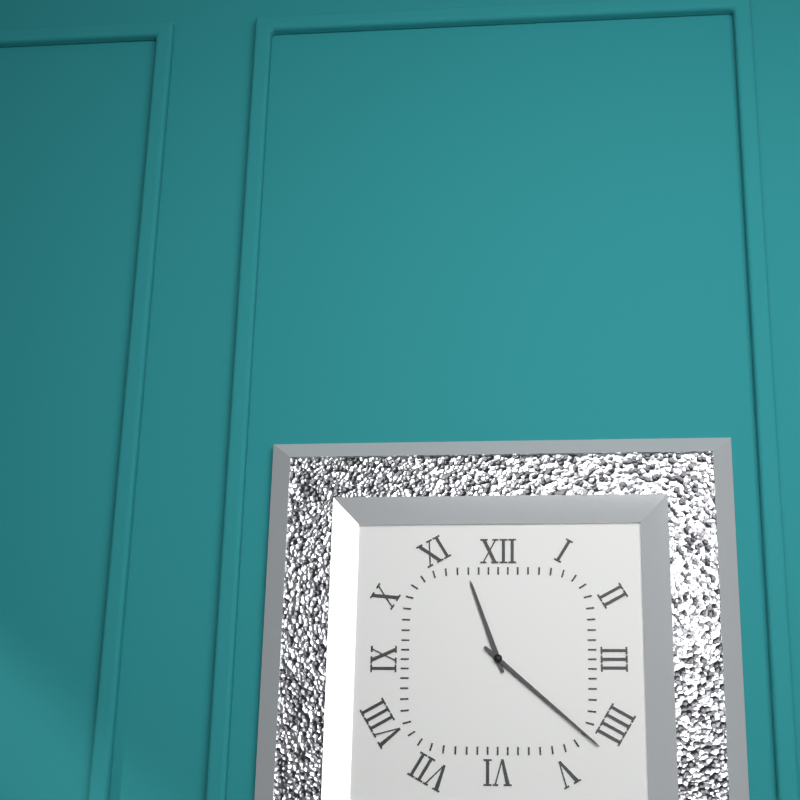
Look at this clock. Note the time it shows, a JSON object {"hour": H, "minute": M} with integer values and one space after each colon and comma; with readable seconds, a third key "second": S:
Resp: {"hour": 11, "minute": 22}
